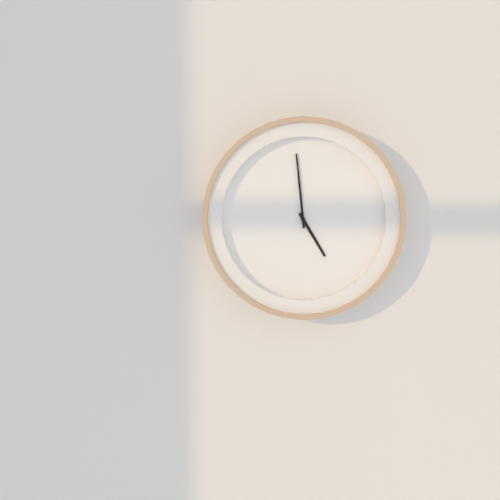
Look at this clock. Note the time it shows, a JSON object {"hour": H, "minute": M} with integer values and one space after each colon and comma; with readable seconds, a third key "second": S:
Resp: {"hour": 4, "minute": 59}
